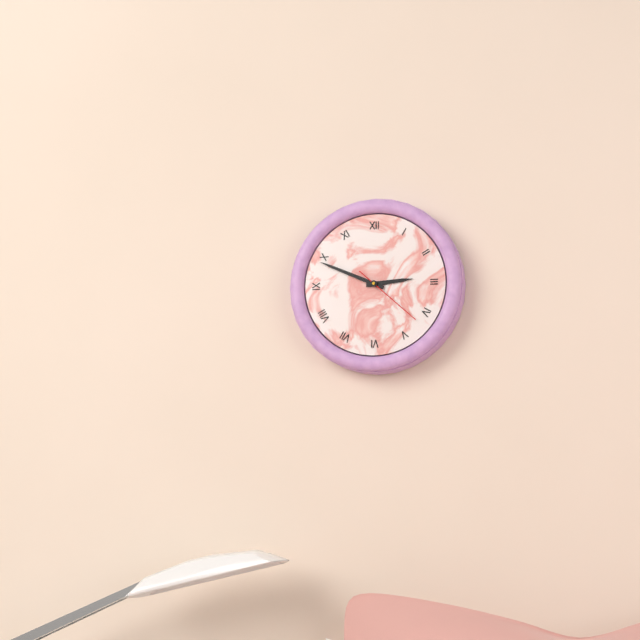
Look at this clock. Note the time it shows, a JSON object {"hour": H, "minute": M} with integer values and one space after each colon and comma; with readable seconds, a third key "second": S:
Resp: {"hour": 2, "minute": 49, "second": 22}
